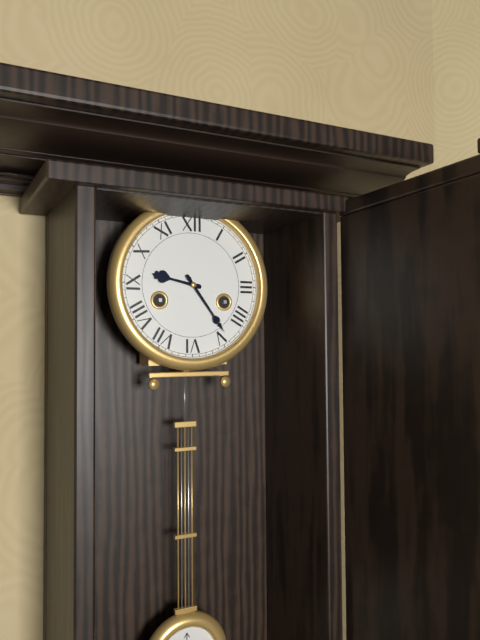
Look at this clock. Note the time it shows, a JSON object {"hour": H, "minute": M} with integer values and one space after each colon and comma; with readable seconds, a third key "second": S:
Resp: {"hour": 9, "minute": 24}
